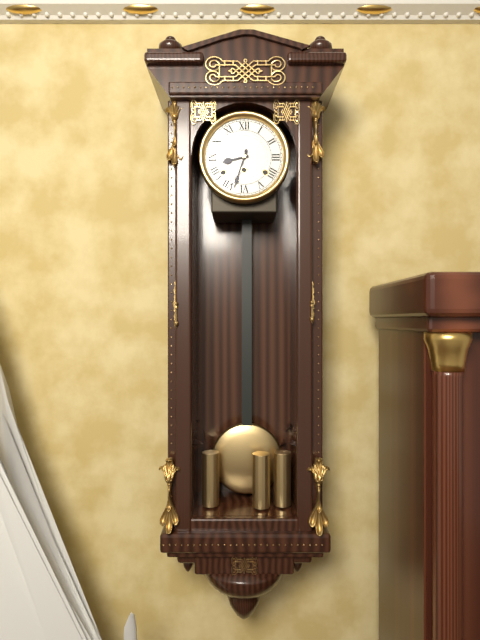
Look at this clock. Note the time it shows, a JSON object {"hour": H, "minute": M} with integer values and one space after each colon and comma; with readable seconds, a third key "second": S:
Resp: {"hour": 8, "minute": 33}
